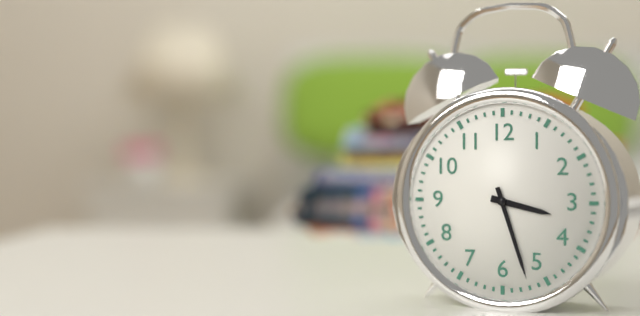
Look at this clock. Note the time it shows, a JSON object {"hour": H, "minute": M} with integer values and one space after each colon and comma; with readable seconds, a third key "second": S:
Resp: {"hour": 3, "minute": 27}
